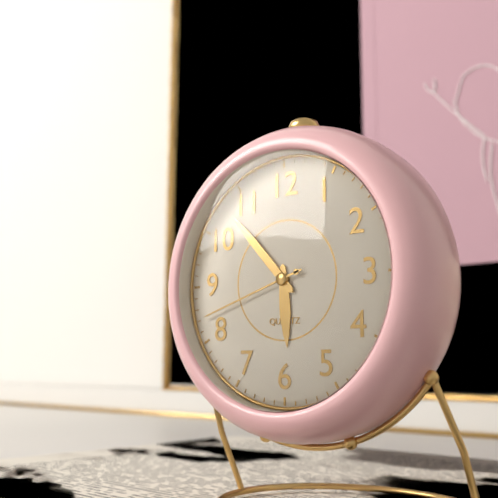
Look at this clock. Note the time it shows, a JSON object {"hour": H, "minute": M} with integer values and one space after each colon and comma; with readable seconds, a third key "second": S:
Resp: {"hour": 5, "minute": 53, "second": 42}
